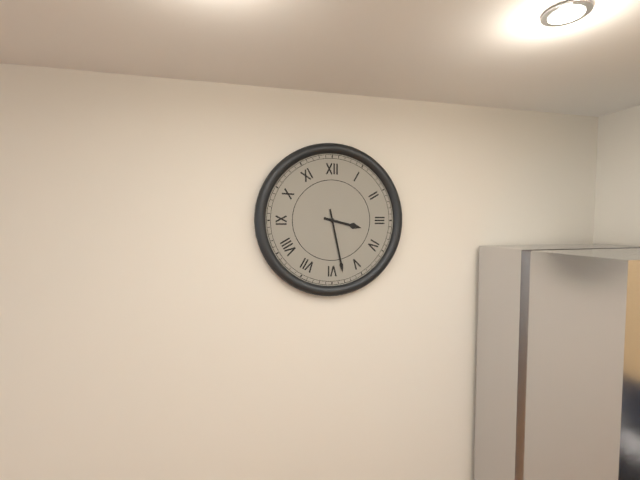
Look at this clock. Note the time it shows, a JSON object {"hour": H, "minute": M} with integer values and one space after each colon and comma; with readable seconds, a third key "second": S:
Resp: {"hour": 3, "minute": 28}
